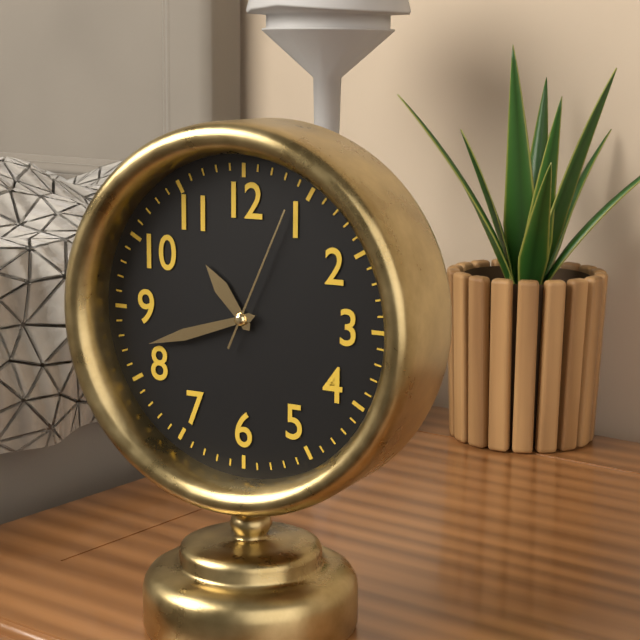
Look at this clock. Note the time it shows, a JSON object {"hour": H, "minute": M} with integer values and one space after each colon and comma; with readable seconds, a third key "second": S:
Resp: {"hour": 10, "minute": 42, "second": 4}
